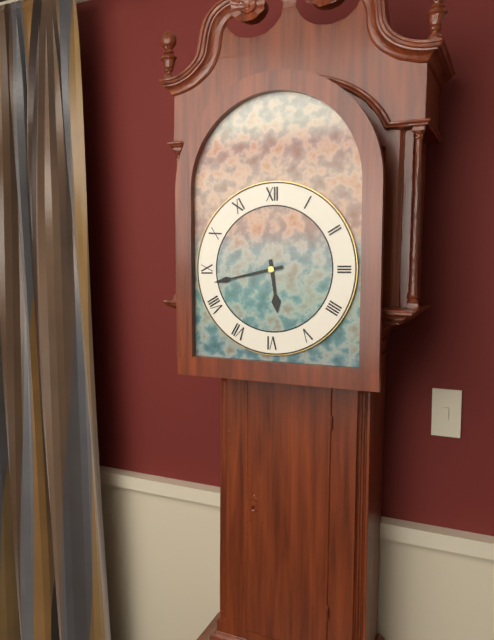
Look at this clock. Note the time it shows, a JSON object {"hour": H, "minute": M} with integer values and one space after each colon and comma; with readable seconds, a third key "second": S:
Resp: {"hour": 5, "minute": 43}
